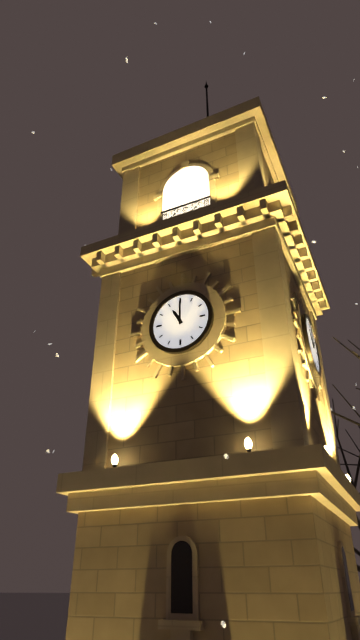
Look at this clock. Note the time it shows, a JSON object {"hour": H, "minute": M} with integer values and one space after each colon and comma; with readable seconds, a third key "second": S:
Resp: {"hour": 11, "minute": 0}
